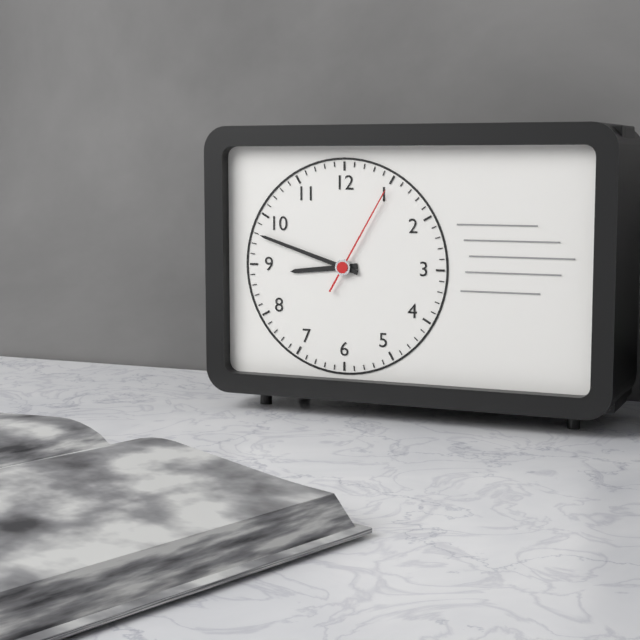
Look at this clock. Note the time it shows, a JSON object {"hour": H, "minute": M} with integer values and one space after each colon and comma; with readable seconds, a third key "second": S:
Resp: {"hour": 8, "minute": 48, "second": 5}
